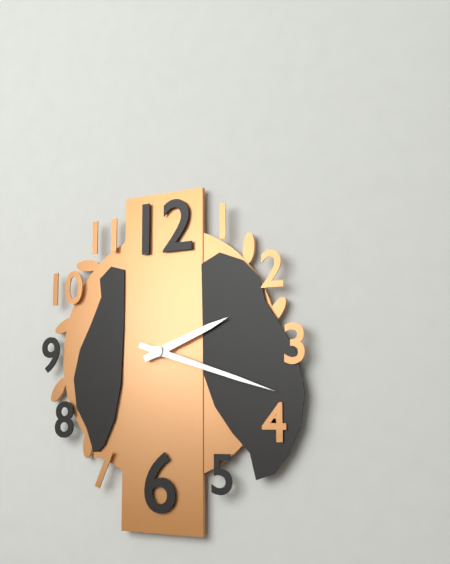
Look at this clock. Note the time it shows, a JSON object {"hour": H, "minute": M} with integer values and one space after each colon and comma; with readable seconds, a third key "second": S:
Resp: {"hour": 2, "minute": 18}
